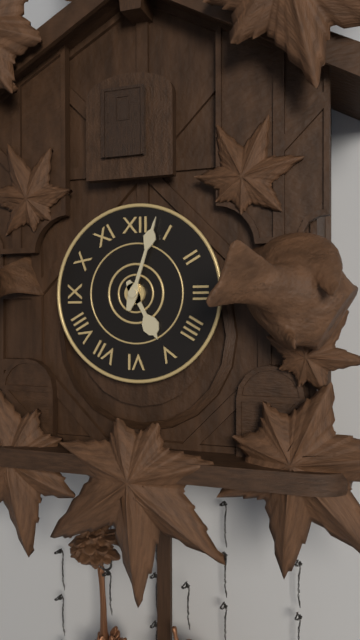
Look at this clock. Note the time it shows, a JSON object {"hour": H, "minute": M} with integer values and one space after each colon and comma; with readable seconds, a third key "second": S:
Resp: {"hour": 5, "minute": 3}
